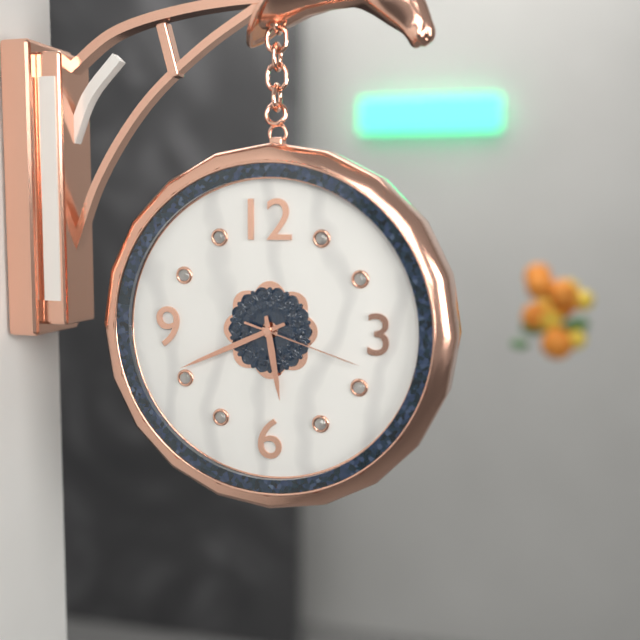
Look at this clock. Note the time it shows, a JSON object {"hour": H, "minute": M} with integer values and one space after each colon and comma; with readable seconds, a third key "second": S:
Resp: {"hour": 5, "minute": 41, "second": 18}
